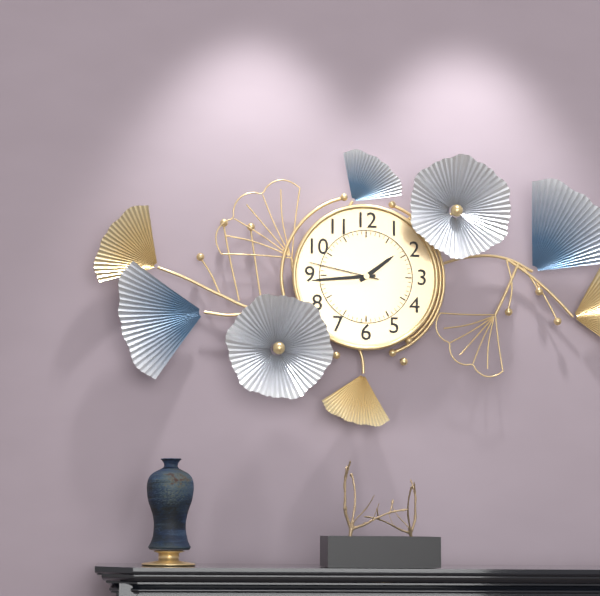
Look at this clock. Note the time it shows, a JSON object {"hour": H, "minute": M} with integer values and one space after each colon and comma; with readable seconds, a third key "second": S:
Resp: {"hour": 1, "minute": 44, "second": 47}
